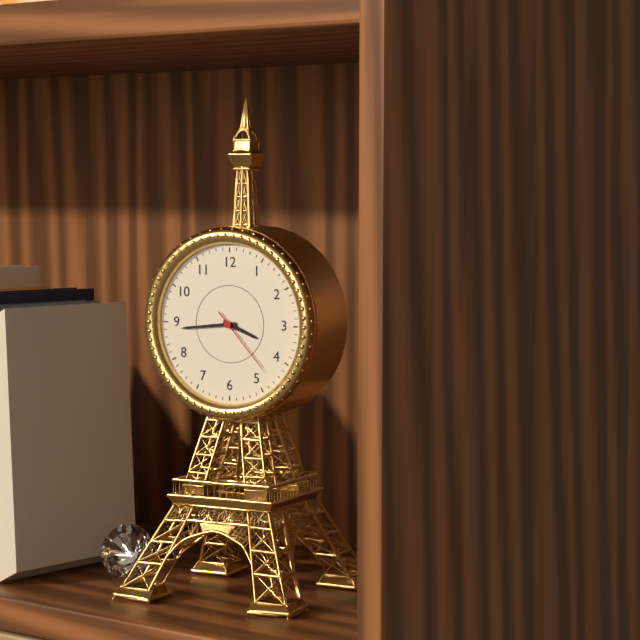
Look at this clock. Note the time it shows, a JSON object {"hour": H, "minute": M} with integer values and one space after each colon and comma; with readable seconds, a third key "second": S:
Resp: {"hour": 3, "minute": 44, "second": 23}
